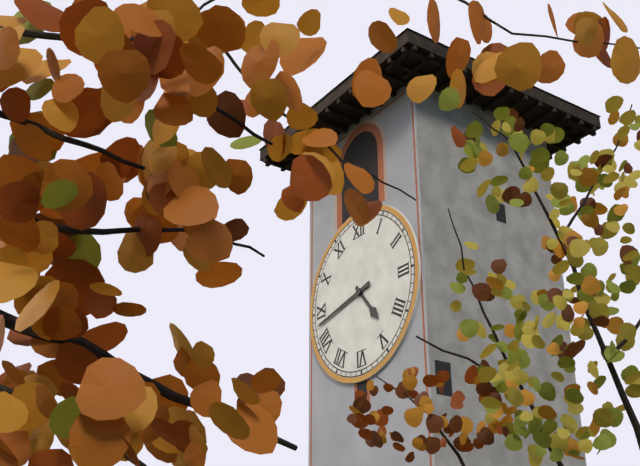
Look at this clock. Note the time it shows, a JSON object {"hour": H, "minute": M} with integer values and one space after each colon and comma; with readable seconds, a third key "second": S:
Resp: {"hour": 4, "minute": 43}
